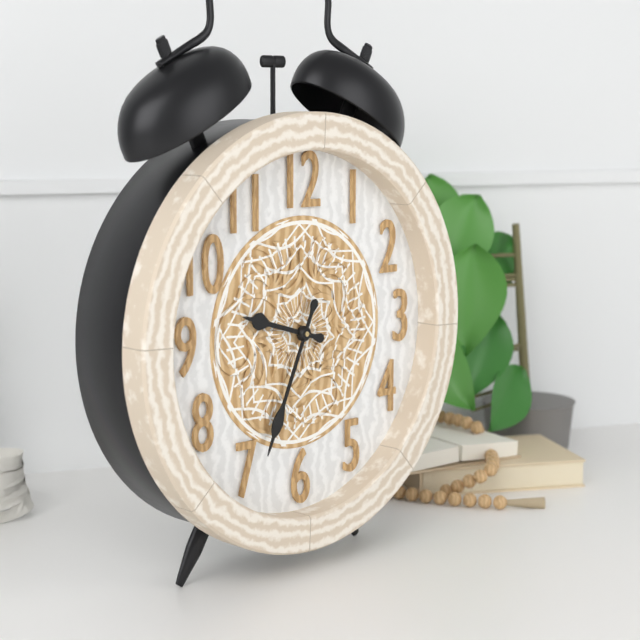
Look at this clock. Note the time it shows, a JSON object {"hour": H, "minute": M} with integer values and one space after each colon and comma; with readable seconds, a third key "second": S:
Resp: {"hour": 9, "minute": 34}
